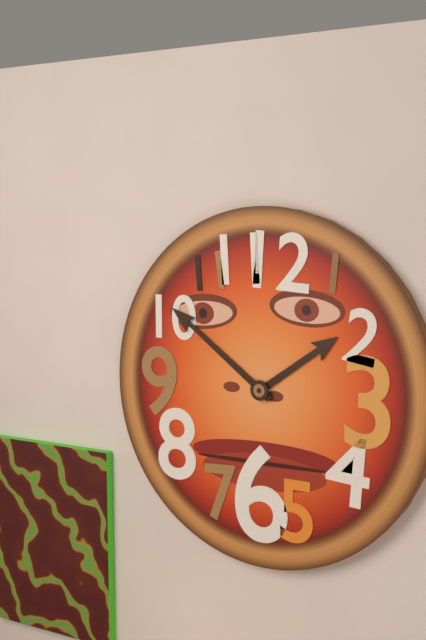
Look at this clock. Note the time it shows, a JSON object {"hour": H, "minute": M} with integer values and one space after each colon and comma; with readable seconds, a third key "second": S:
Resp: {"hour": 1, "minute": 51}
